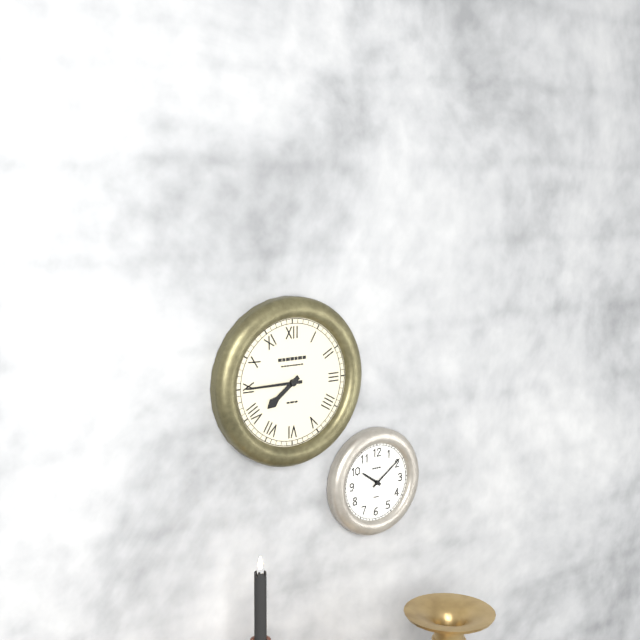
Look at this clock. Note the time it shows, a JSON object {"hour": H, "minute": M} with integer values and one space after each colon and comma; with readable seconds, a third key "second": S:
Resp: {"hour": 7, "minute": 45}
